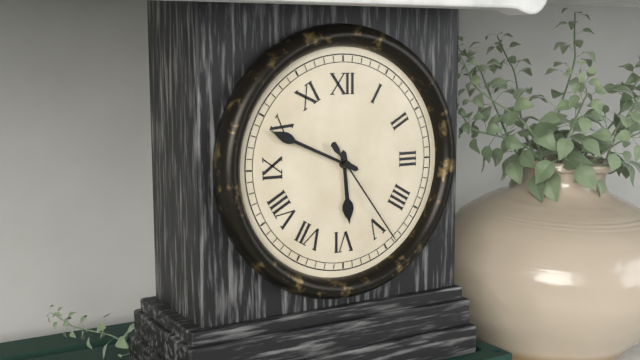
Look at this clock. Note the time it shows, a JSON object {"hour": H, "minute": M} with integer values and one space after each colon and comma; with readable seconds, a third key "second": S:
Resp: {"hour": 5, "minute": 49, "second": 24}
